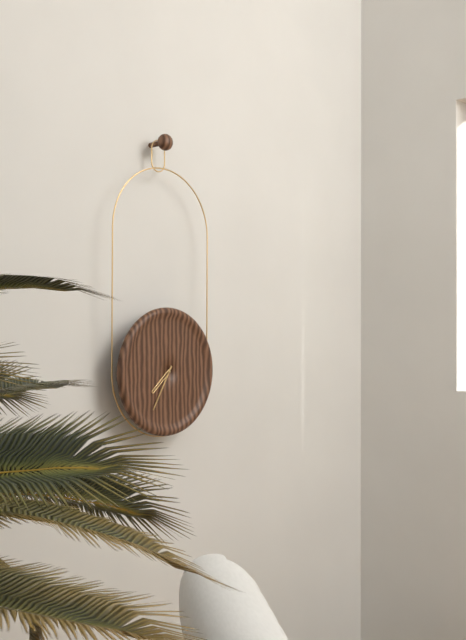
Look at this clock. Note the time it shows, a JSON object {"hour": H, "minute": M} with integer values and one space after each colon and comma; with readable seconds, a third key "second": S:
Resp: {"hour": 7, "minute": 35}
